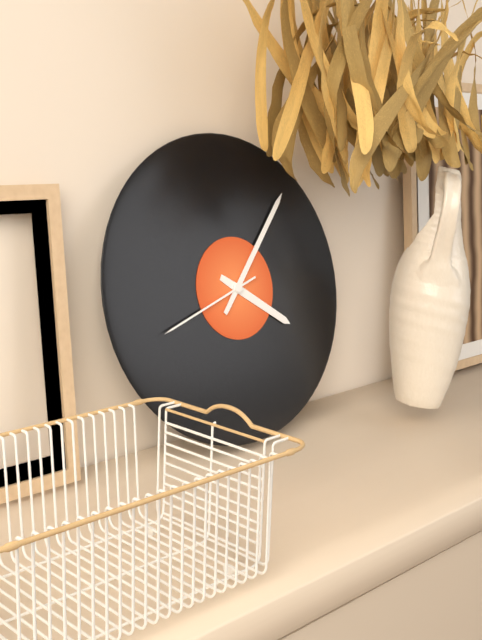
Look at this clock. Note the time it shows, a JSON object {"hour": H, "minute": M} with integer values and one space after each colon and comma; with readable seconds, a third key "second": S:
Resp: {"hour": 4, "minute": 7, "second": 42}
